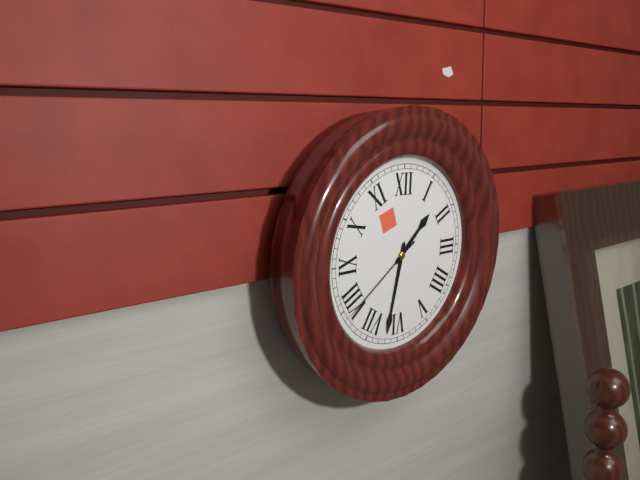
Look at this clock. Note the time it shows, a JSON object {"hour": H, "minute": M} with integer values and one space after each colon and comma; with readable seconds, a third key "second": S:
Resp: {"hour": 1, "minute": 32, "second": 39}
